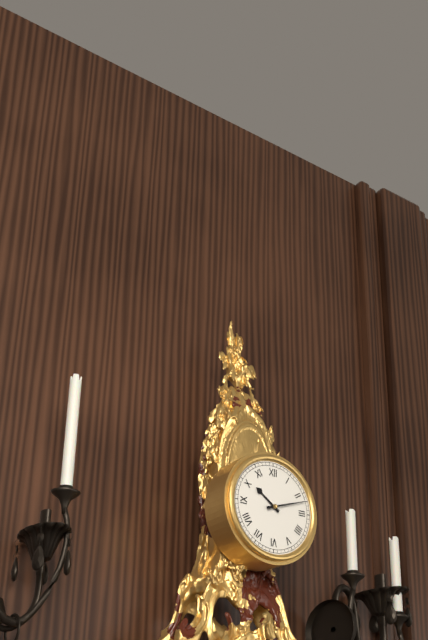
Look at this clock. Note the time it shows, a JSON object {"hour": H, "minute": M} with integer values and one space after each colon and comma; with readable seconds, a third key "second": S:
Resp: {"hour": 10, "minute": 12}
